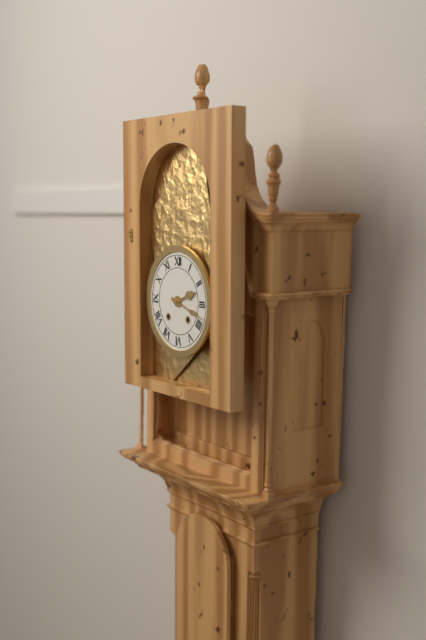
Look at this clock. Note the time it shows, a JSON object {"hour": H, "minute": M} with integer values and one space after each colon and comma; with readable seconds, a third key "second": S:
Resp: {"hour": 2, "minute": 18}
